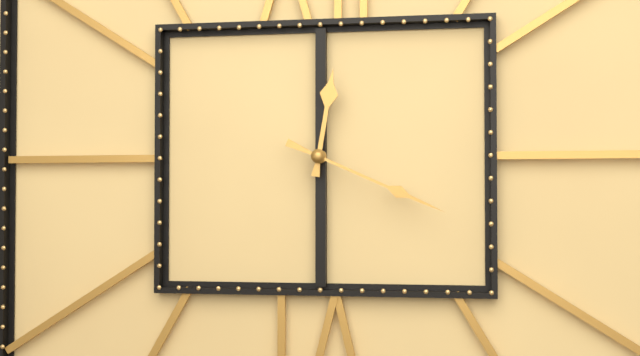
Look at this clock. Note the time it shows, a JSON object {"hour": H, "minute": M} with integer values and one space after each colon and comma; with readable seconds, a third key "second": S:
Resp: {"hour": 12, "minute": 19}
